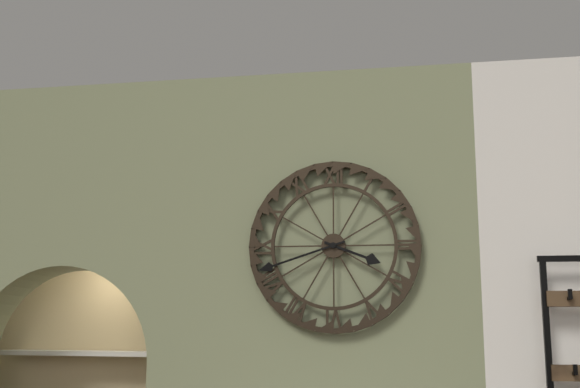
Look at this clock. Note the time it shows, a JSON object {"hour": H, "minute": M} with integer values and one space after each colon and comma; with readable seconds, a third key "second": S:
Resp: {"hour": 3, "minute": 42}
